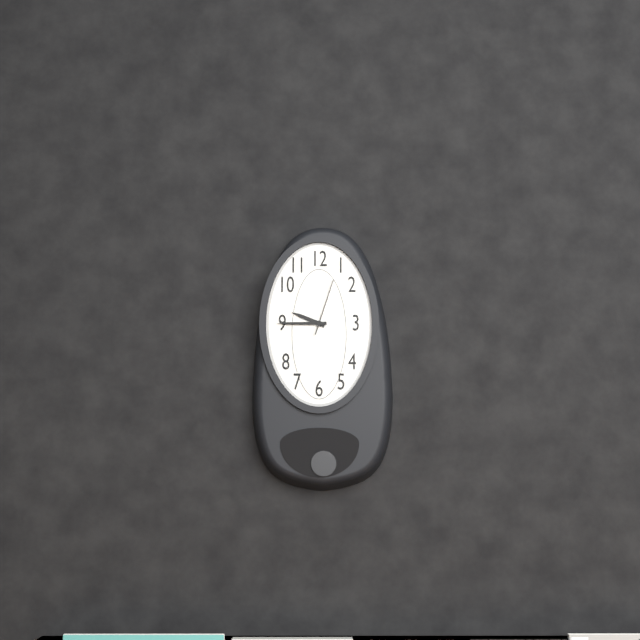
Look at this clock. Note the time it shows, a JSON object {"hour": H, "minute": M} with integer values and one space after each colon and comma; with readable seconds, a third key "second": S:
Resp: {"hour": 9, "minute": 45, "second": 3}
